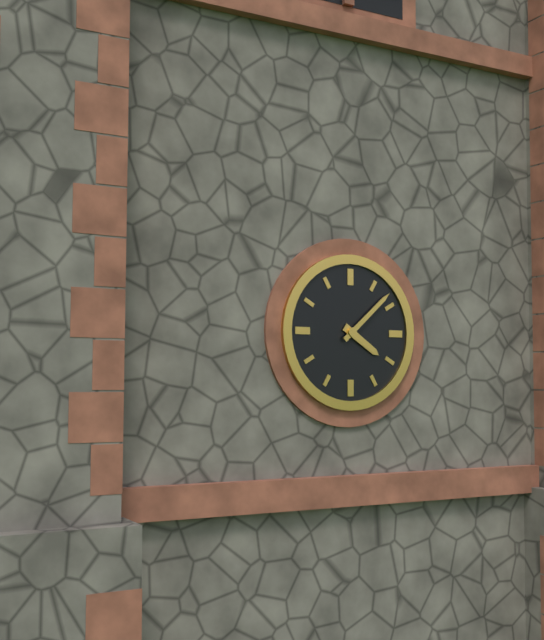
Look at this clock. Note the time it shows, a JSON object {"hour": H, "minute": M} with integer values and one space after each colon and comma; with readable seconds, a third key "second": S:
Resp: {"hour": 4, "minute": 8}
